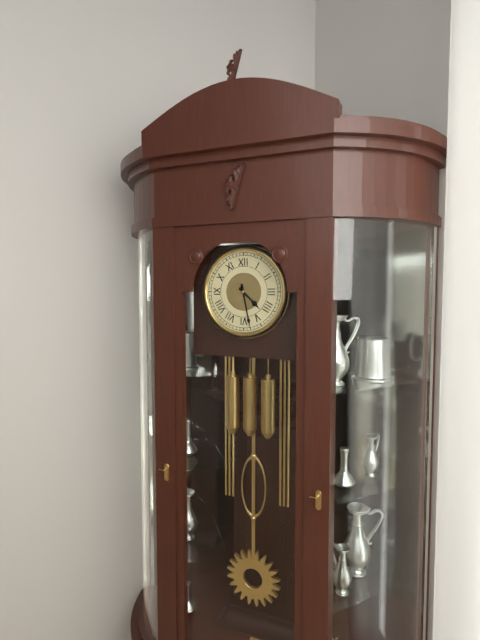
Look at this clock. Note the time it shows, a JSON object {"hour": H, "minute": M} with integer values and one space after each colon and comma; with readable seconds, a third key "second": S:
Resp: {"hour": 4, "minute": 28}
